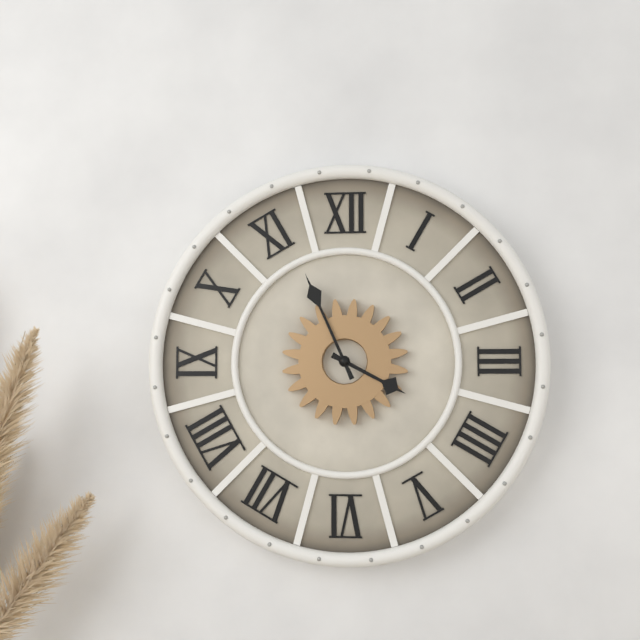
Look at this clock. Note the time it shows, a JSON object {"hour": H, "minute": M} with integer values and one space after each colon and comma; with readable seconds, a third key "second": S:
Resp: {"hour": 3, "minute": 56}
